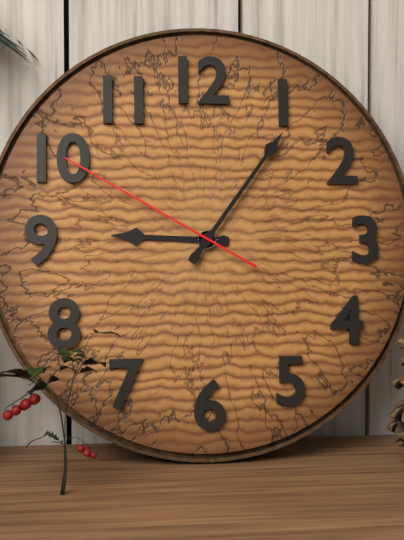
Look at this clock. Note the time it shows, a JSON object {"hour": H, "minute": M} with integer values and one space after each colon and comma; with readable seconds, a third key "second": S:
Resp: {"hour": 9, "minute": 6, "second": 50}
